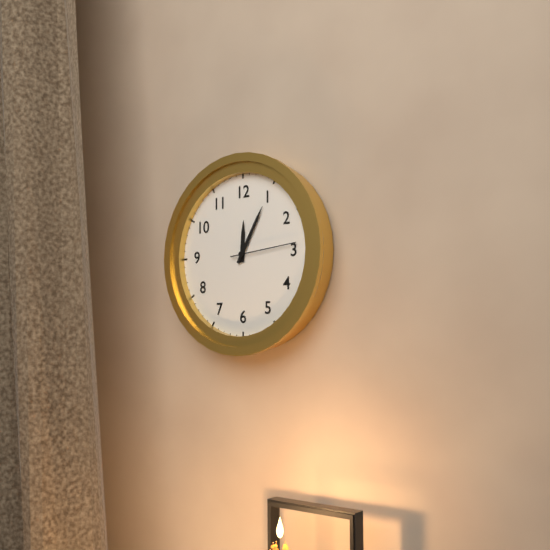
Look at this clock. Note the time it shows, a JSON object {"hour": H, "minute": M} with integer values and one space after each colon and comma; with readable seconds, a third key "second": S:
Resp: {"hour": 12, "minute": 5, "second": 14}
